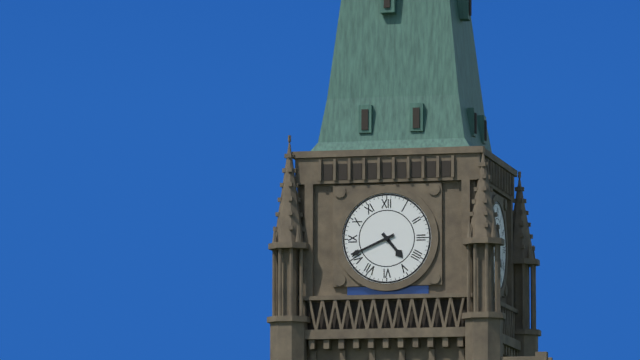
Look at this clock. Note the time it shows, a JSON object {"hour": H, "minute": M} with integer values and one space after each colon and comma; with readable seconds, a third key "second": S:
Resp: {"hour": 4, "minute": 41}
